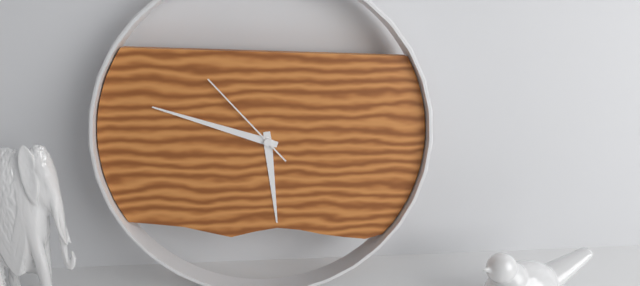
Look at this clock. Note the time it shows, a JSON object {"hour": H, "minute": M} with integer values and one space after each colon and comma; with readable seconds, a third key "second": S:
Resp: {"hour": 5, "minute": 48, "second": 53}
